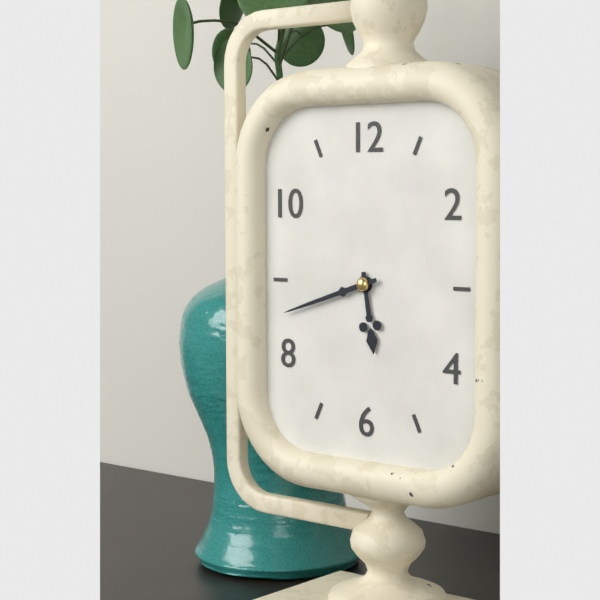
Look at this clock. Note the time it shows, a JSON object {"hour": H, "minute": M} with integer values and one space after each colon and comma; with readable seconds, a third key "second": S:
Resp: {"hour": 5, "minute": 42}
